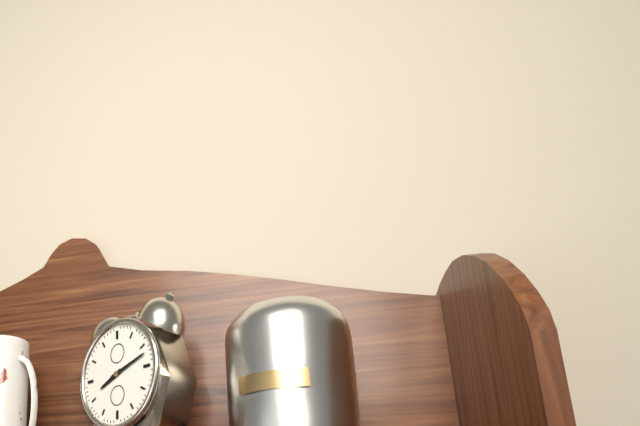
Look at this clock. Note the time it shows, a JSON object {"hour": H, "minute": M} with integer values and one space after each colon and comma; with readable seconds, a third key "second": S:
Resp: {"hour": 8, "minute": 12}
